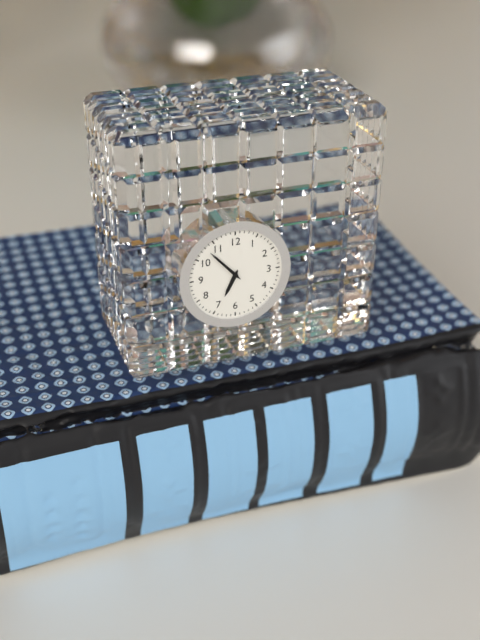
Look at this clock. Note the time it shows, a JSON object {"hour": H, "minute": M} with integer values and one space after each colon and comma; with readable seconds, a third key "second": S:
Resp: {"hour": 6, "minute": 53}
